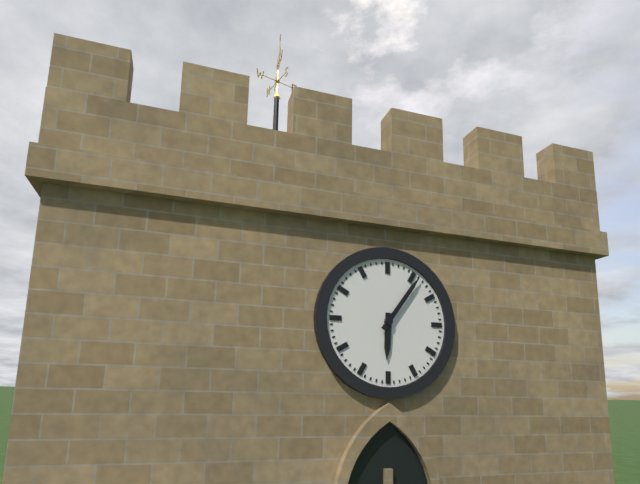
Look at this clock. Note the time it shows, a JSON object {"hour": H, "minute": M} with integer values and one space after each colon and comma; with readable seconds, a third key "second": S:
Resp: {"hour": 6, "minute": 6}
